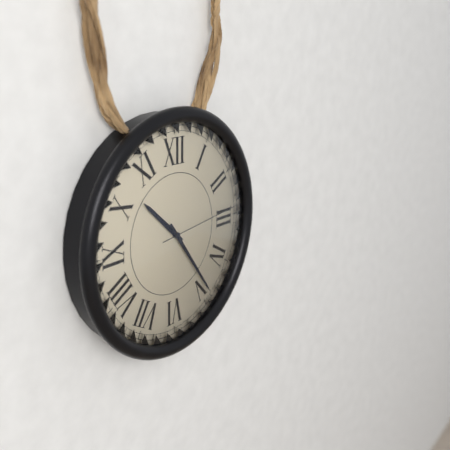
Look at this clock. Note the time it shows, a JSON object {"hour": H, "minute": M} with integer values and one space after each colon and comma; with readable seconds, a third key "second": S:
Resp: {"hour": 10, "minute": 24, "second": 14}
